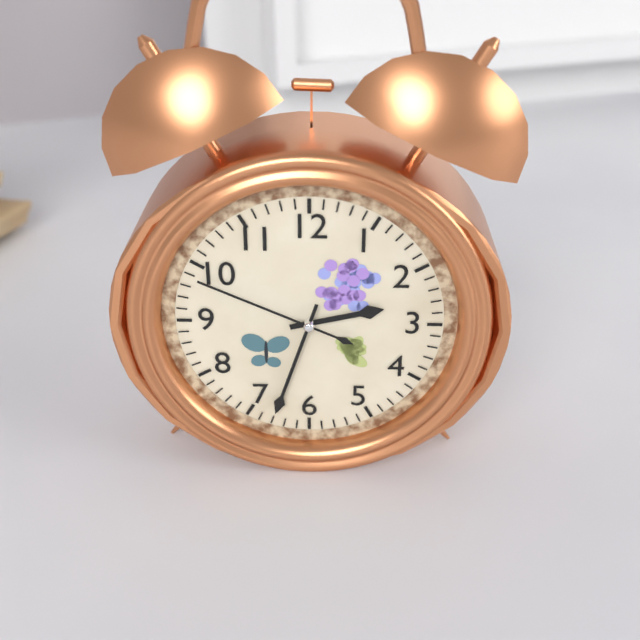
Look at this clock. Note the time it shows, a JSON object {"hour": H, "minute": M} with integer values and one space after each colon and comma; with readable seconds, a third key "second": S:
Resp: {"hour": 2, "minute": 33, "second": 49}
